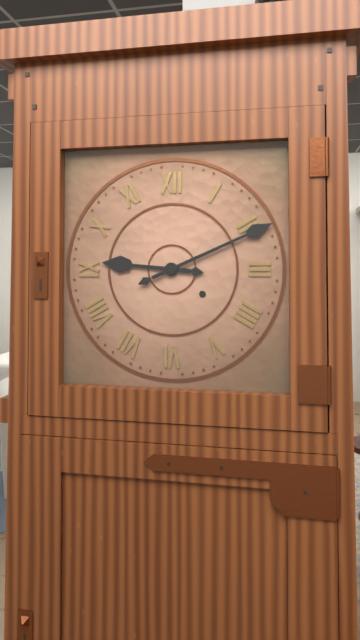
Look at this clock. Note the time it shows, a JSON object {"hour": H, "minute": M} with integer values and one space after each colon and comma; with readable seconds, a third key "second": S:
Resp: {"hour": 9, "minute": 11}
